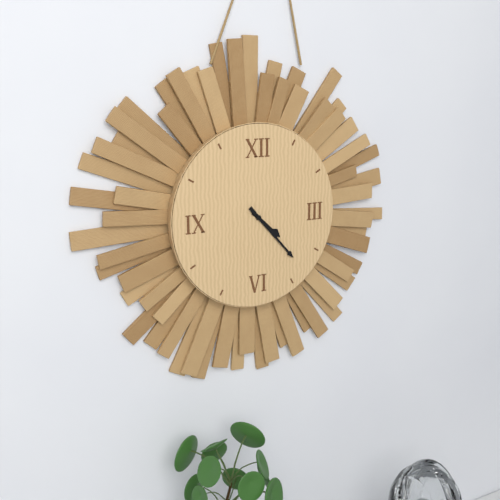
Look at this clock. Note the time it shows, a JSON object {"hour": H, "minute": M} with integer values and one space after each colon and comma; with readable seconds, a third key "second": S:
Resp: {"hour": 4, "minute": 23}
